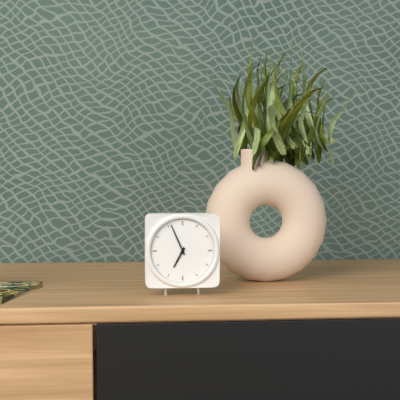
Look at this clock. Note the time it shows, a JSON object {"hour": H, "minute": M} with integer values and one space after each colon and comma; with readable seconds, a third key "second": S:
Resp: {"hour": 6, "minute": 56}
